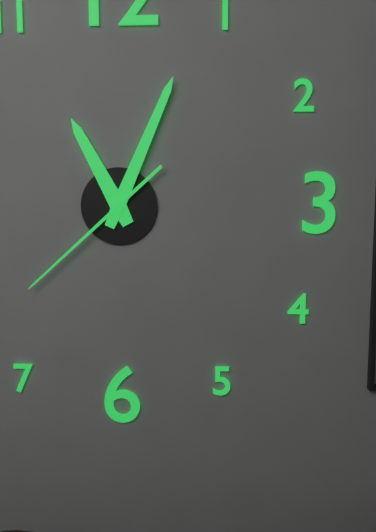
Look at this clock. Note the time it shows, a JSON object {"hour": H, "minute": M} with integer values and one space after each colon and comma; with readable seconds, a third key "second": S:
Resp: {"hour": 11, "minute": 4, "second": 38}
